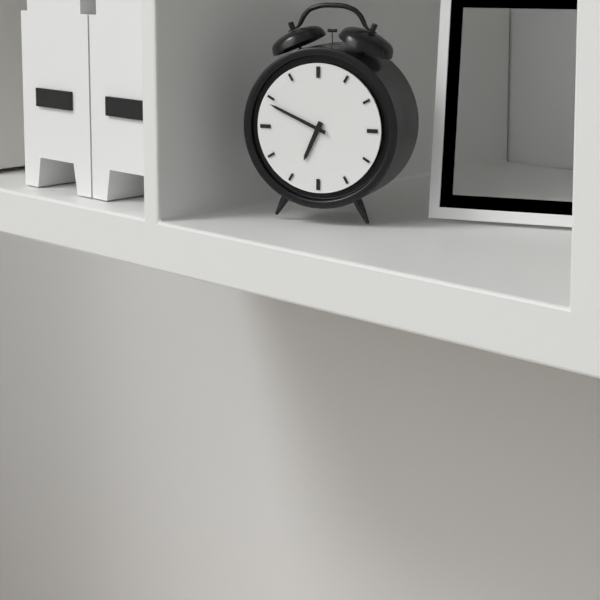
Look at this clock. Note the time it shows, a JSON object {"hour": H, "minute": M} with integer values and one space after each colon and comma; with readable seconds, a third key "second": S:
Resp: {"hour": 6, "minute": 49}
